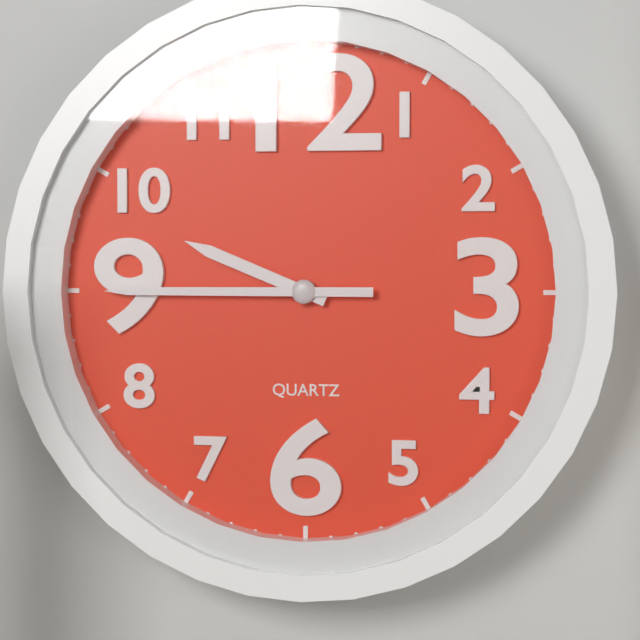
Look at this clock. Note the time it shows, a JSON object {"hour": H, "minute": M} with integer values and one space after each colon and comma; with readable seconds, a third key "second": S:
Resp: {"hour": 9, "minute": 45}
